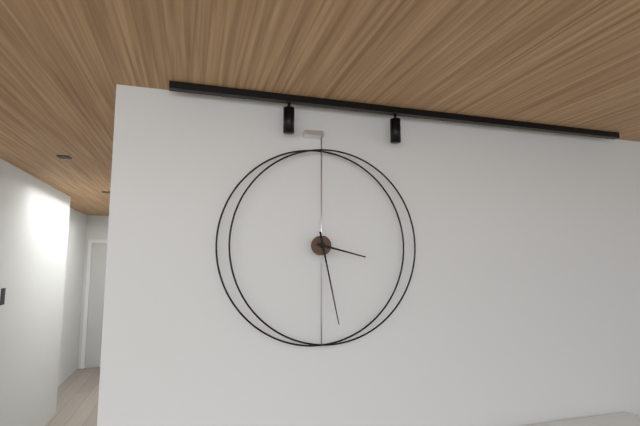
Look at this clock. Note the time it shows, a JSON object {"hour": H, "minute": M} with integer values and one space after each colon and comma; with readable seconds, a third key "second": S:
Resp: {"hour": 3, "minute": 28}
